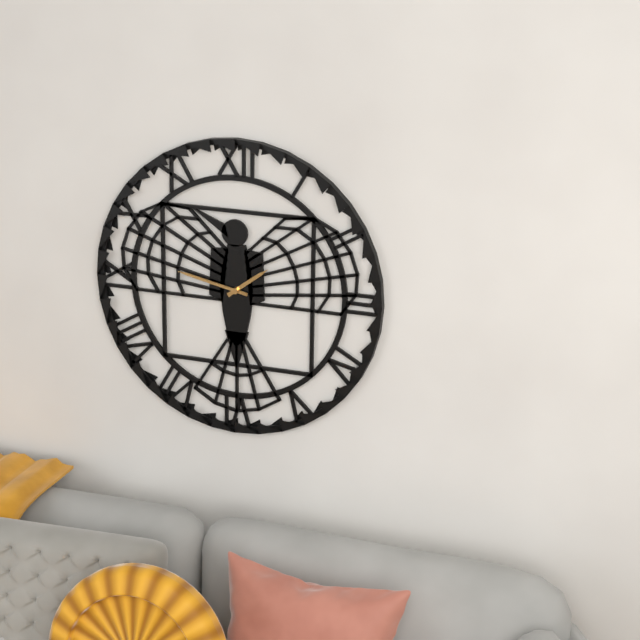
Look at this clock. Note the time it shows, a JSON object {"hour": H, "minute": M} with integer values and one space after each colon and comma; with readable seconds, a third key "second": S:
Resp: {"hour": 1, "minute": 47}
